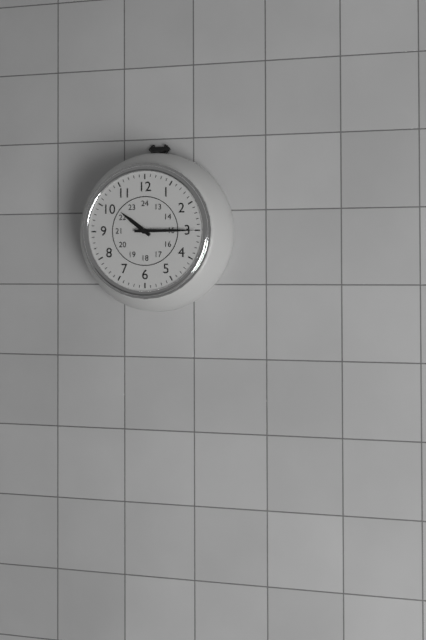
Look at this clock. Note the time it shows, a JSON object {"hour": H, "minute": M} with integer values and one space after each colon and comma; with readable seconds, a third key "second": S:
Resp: {"hour": 10, "minute": 15}
